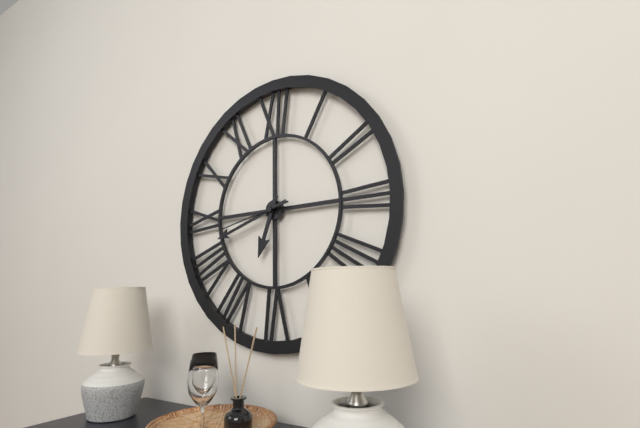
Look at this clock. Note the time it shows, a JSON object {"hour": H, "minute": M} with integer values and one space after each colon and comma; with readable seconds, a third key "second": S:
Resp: {"hour": 6, "minute": 42, "second": 43}
